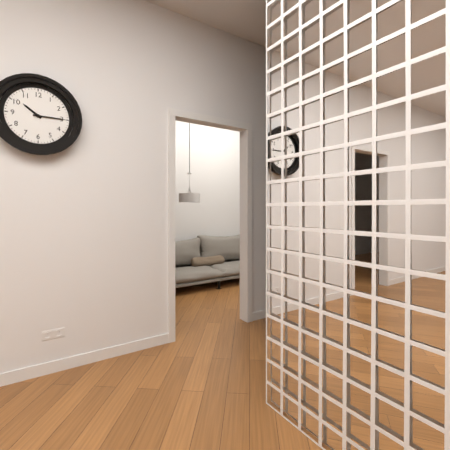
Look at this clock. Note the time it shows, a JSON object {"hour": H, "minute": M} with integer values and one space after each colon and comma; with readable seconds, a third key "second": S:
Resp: {"hour": 10, "minute": 15}
